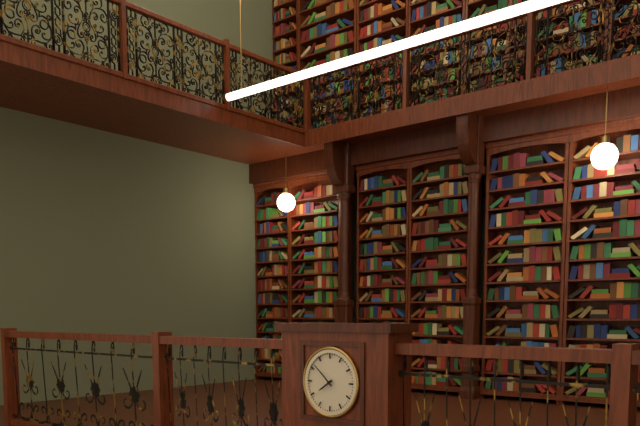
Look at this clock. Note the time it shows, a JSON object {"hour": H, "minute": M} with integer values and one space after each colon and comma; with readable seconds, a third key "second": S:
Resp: {"hour": 7, "minute": 52}
